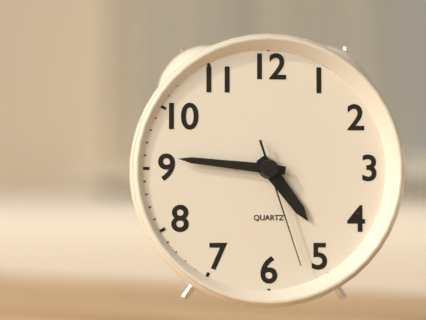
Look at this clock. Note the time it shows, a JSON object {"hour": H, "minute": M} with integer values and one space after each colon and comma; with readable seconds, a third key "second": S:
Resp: {"hour": 4, "minute": 46, "second": 27}
